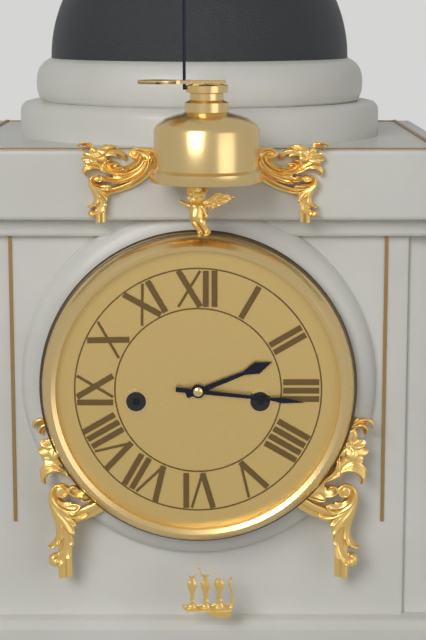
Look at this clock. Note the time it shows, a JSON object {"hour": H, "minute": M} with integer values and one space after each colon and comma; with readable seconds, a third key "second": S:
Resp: {"hour": 2, "minute": 16}
